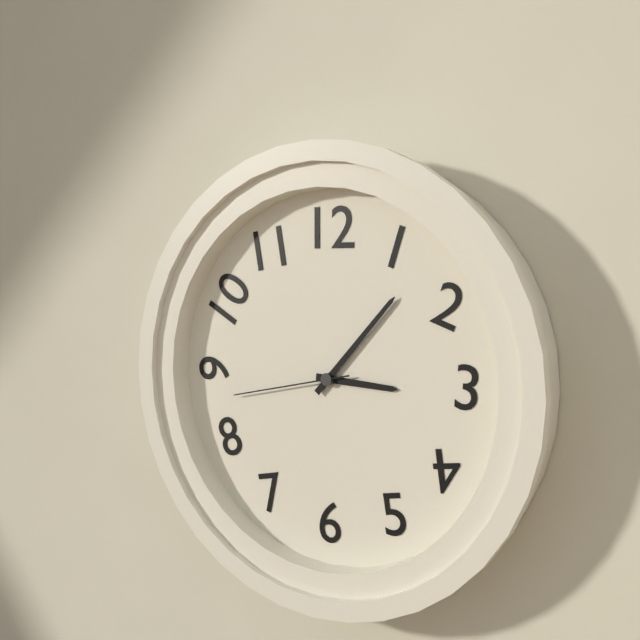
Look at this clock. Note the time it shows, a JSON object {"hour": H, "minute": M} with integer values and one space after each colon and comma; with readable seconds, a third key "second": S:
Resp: {"hour": 3, "minute": 7, "second": 43}
